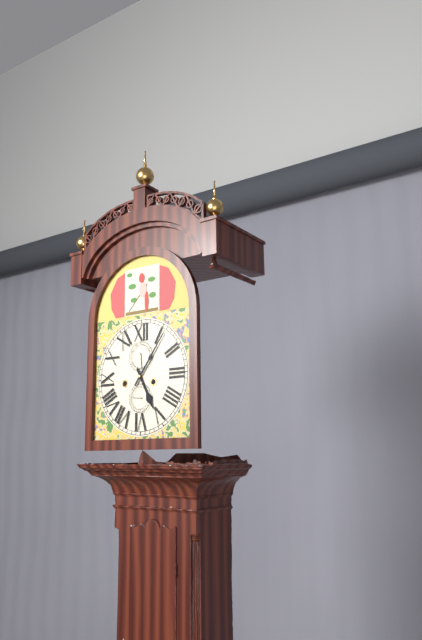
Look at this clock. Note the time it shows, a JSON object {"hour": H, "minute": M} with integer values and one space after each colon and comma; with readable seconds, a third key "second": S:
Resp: {"hour": 5, "minute": 6}
